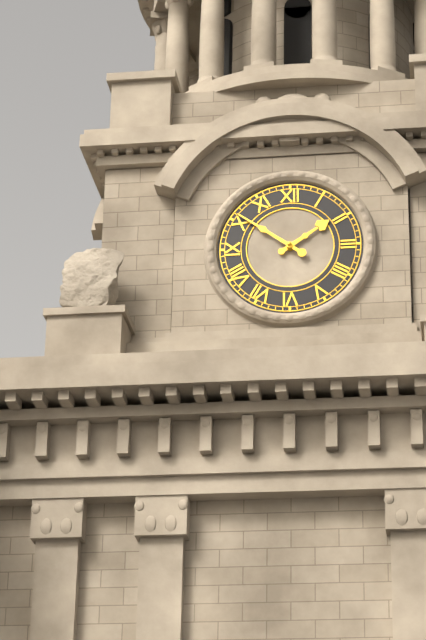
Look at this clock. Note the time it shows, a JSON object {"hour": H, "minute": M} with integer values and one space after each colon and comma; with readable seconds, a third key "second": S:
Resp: {"hour": 1, "minute": 51}
